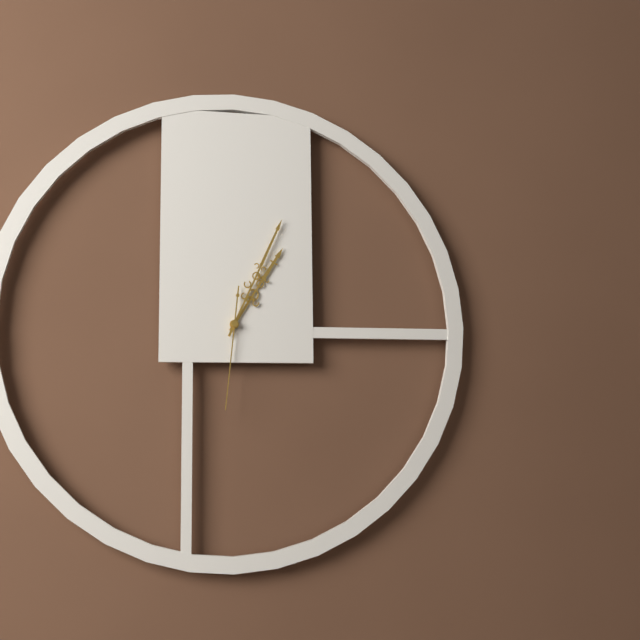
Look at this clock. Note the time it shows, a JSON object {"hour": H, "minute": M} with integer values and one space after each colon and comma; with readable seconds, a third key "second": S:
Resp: {"hour": 1, "minute": 4, "second": 31}
